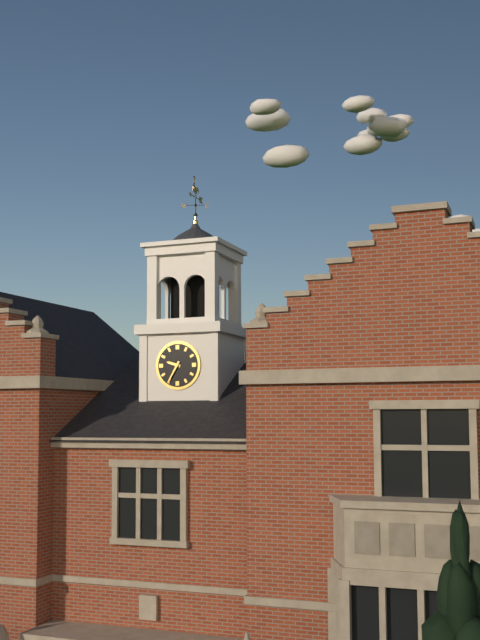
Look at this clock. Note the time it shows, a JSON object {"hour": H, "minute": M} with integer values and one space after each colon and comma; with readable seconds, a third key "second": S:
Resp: {"hour": 9, "minute": 35}
